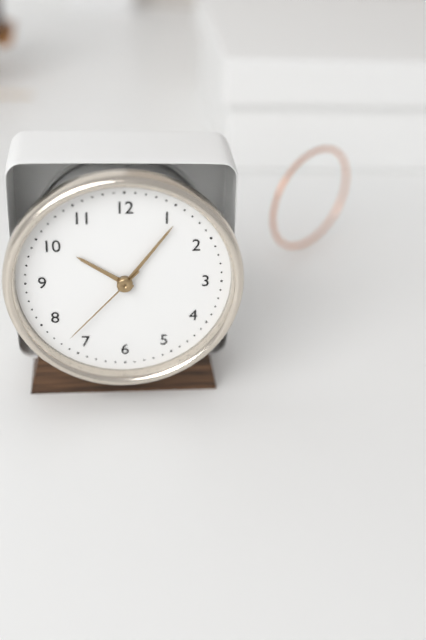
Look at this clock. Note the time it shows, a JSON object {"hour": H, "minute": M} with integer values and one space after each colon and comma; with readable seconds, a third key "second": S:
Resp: {"hour": 10, "minute": 6, "second": 37}
